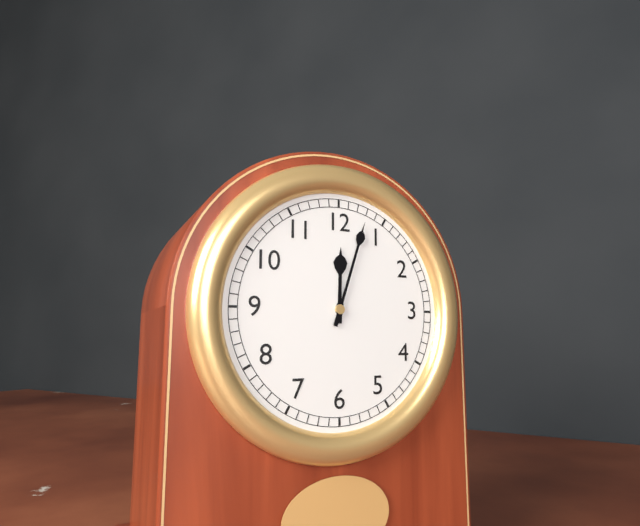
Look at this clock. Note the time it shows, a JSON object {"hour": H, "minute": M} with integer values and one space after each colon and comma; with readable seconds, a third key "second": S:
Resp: {"hour": 12, "minute": 3}
